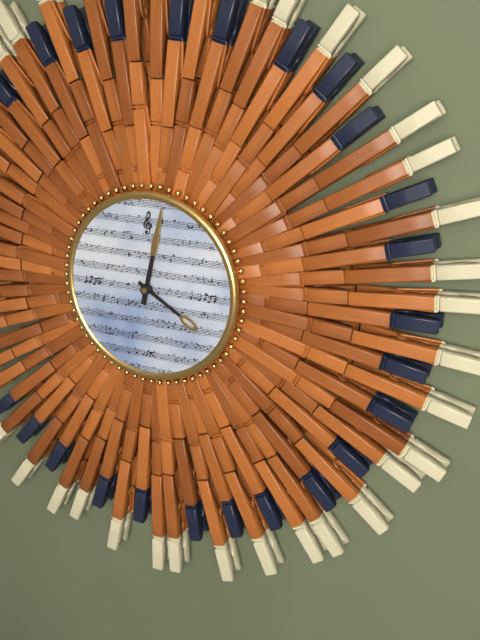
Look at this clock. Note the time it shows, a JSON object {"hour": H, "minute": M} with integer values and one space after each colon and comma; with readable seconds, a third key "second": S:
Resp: {"hour": 4, "minute": 2}
